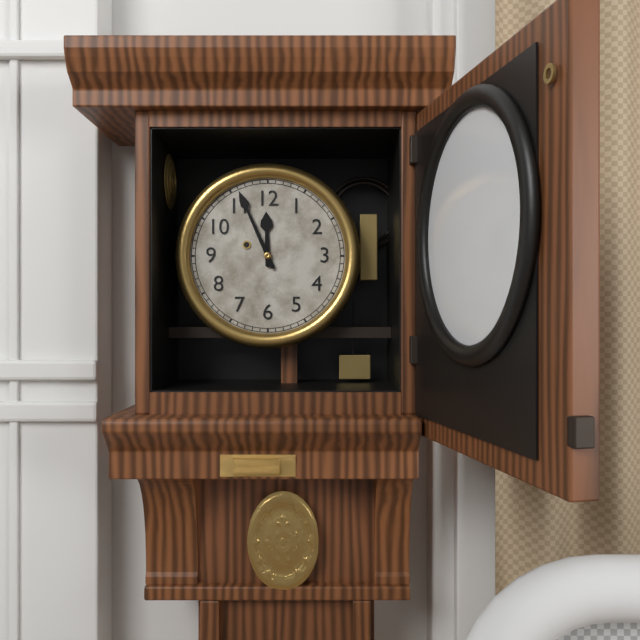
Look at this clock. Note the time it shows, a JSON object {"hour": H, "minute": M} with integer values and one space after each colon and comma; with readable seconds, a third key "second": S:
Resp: {"hour": 11, "minute": 56}
